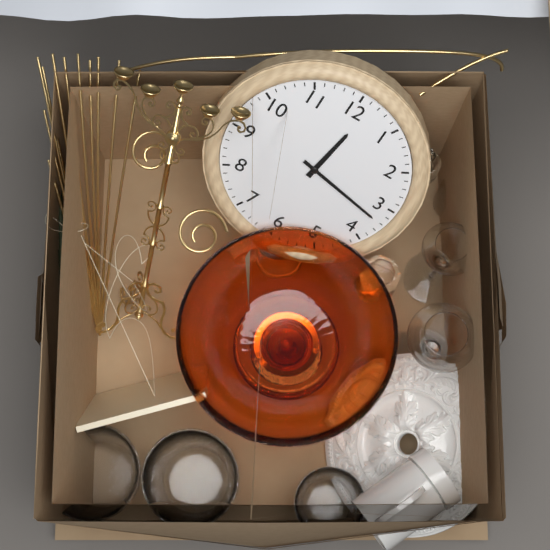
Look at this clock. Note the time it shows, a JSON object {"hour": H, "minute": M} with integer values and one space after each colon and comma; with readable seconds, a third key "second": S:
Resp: {"hour": 12, "minute": 17}
